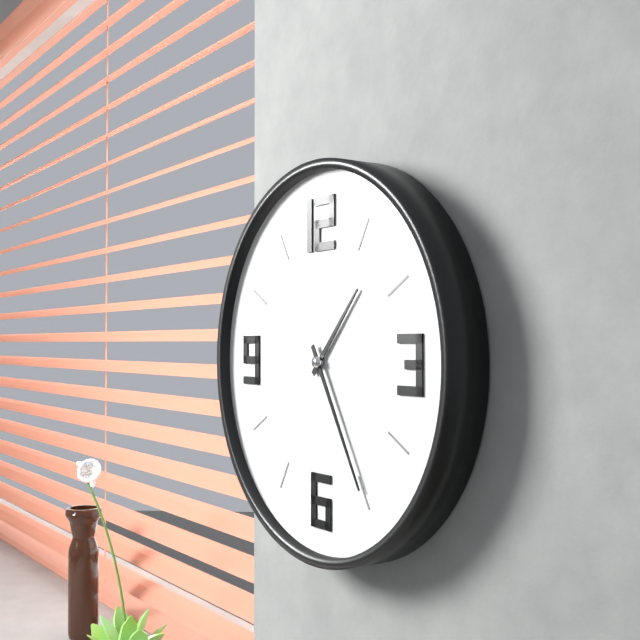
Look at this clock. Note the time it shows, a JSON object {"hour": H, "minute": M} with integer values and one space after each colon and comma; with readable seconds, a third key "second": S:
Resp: {"hour": 1, "minute": 25}
